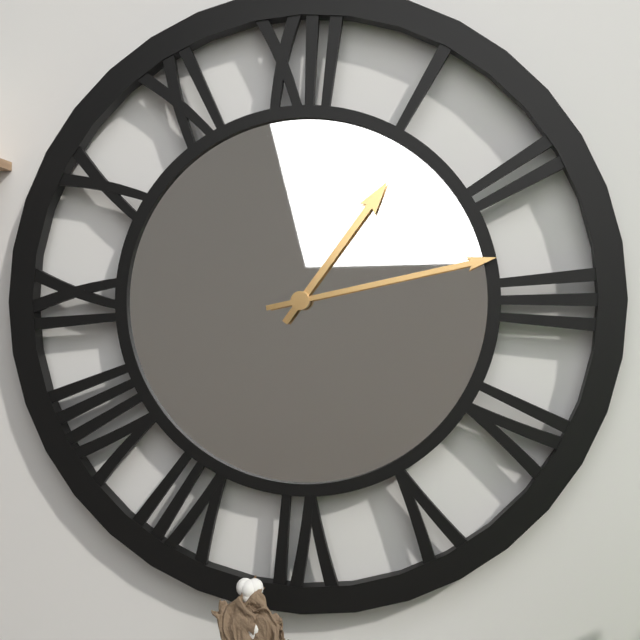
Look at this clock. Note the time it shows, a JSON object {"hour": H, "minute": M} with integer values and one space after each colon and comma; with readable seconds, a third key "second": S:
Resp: {"hour": 1, "minute": 13}
